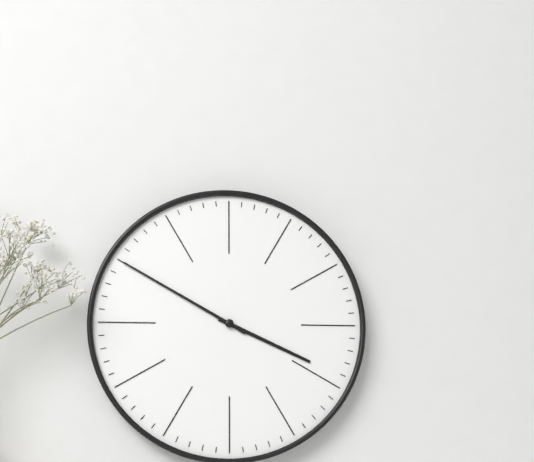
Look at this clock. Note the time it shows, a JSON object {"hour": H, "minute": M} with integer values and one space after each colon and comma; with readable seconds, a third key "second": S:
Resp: {"hour": 3, "minute": 50}
